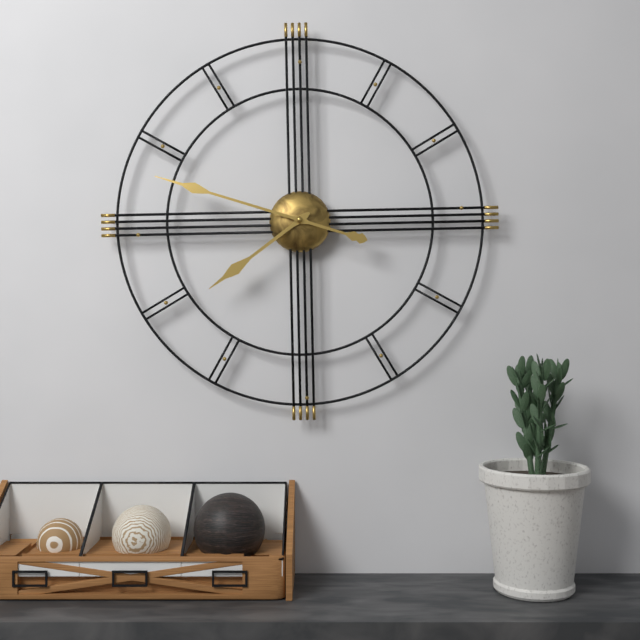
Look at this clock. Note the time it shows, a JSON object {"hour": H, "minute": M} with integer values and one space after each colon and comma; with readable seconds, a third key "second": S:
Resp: {"hour": 7, "minute": 48}
